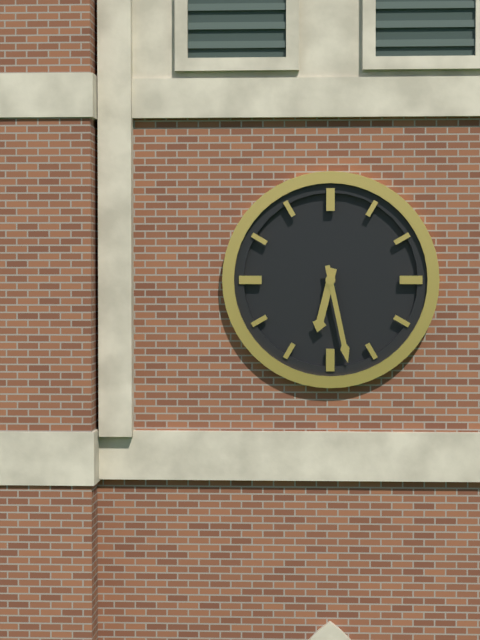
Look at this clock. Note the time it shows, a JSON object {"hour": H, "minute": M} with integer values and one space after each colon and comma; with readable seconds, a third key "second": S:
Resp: {"hour": 6, "minute": 28}
